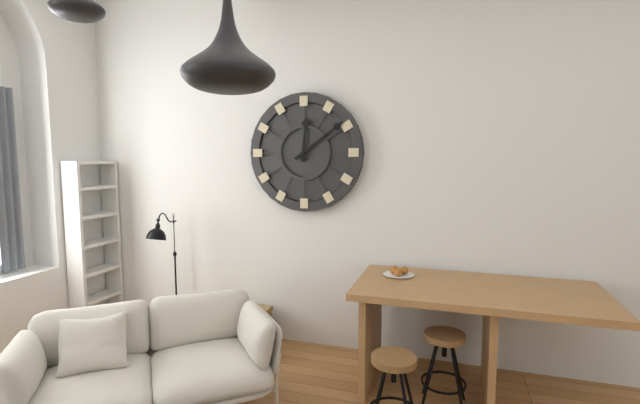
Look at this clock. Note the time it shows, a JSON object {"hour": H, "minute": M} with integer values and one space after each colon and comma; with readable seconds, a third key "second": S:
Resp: {"hour": 12, "minute": 9}
